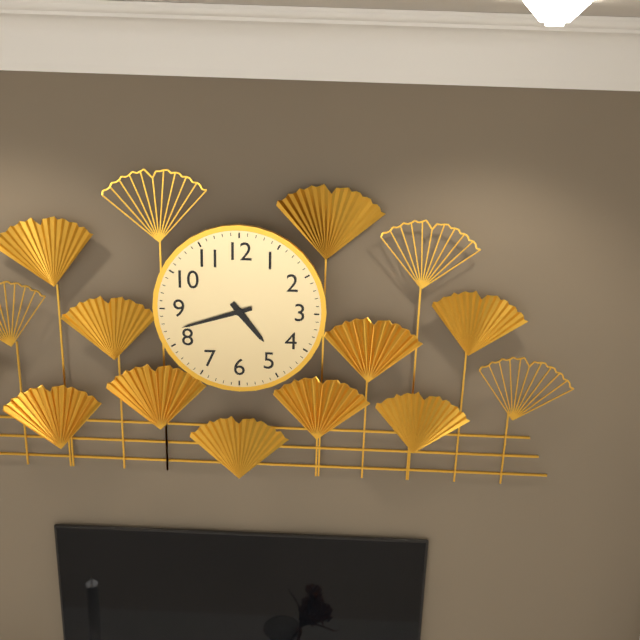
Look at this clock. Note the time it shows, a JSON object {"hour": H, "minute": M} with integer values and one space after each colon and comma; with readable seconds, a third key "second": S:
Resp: {"hour": 4, "minute": 42}
